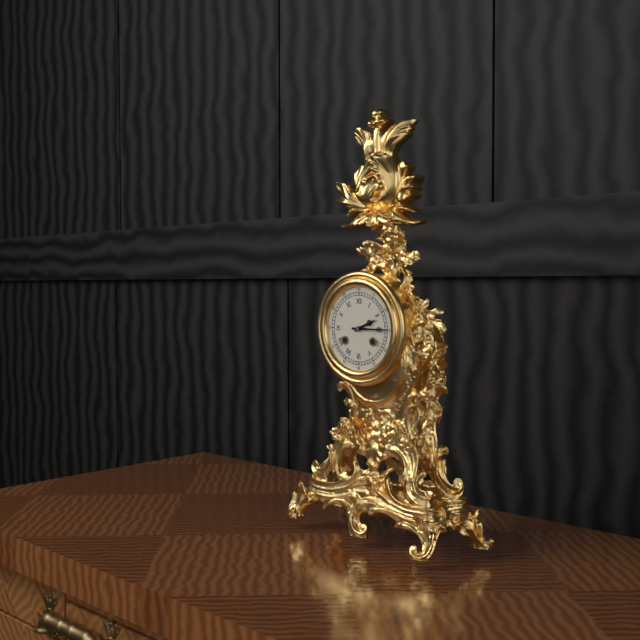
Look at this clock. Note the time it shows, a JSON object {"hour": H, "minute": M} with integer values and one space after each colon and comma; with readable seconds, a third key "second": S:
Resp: {"hour": 2, "minute": 15}
